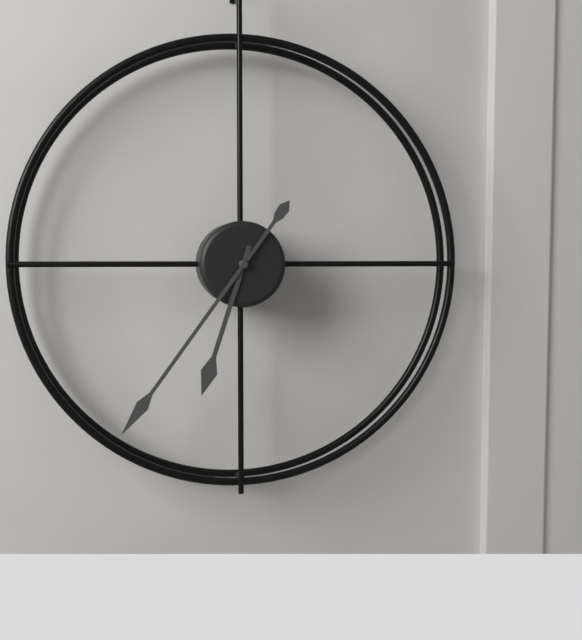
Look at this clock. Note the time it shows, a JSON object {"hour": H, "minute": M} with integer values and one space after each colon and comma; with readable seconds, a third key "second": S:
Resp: {"hour": 6, "minute": 36}
